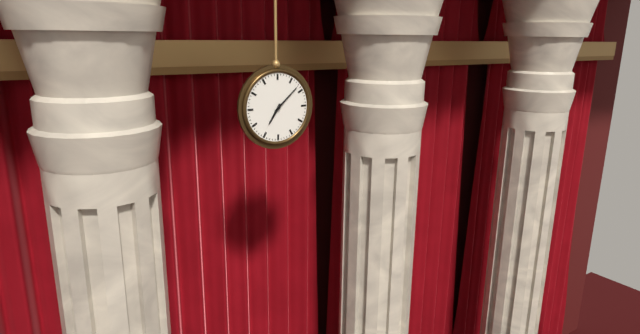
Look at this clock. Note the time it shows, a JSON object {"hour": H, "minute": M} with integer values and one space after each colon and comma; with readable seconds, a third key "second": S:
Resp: {"hour": 7, "minute": 8}
